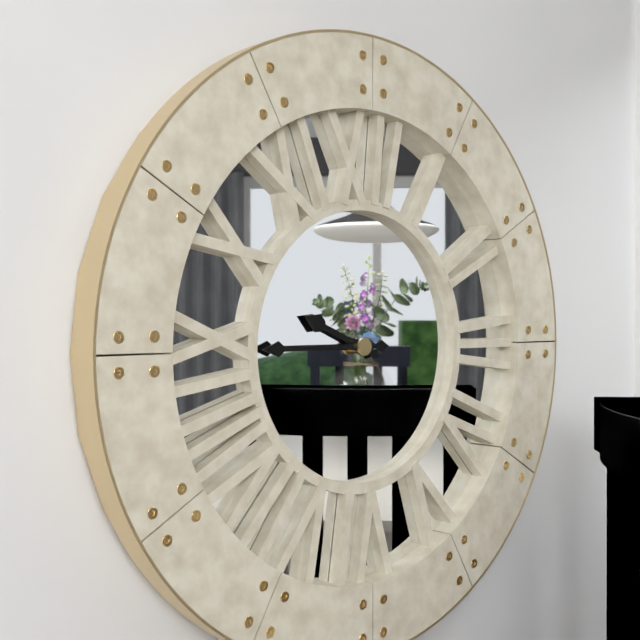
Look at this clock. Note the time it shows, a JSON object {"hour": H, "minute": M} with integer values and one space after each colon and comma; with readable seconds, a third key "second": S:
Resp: {"hour": 9, "minute": 45}
